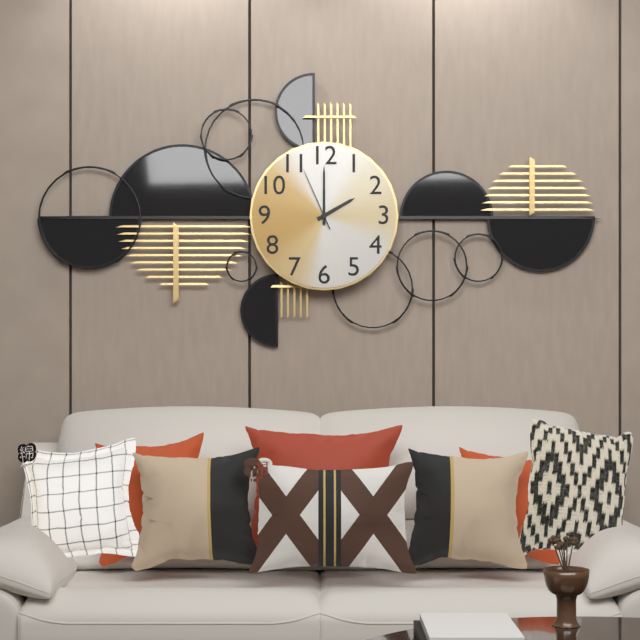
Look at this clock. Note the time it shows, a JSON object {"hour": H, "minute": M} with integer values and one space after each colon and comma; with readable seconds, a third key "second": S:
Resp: {"hour": 2, "minute": 0, "second": 56}
